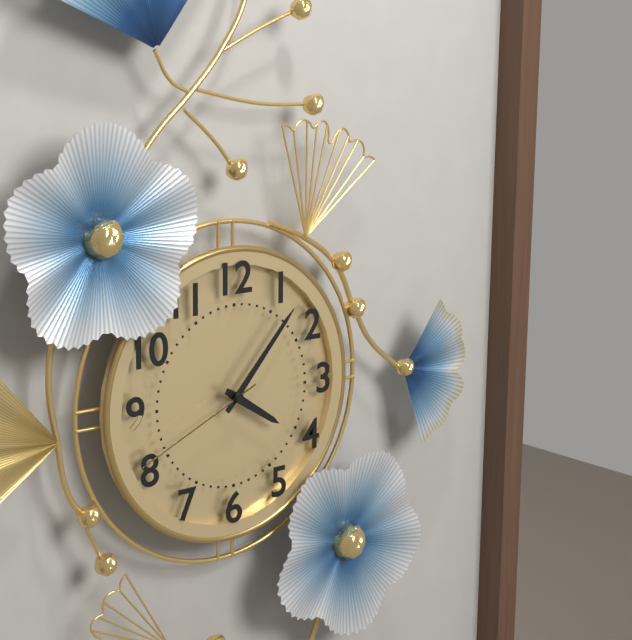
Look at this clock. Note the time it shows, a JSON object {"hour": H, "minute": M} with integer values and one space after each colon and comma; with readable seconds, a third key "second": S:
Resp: {"hour": 4, "minute": 7, "second": 41}
